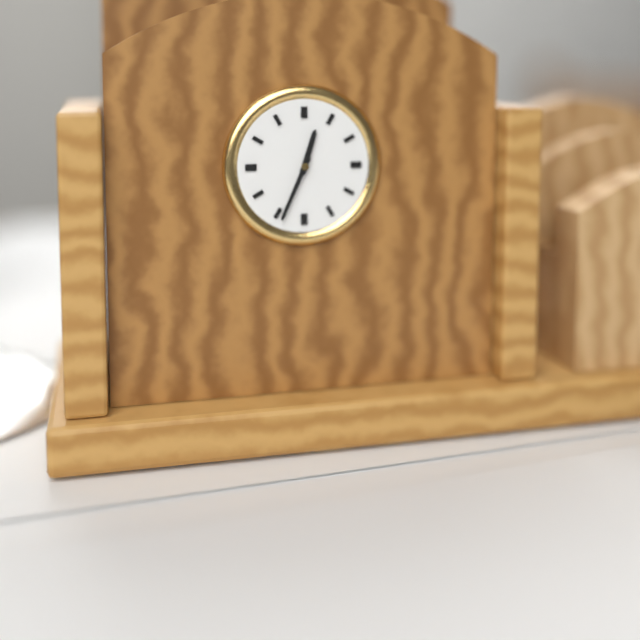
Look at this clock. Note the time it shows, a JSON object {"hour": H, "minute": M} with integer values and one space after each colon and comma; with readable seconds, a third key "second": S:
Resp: {"hour": 12, "minute": 34}
